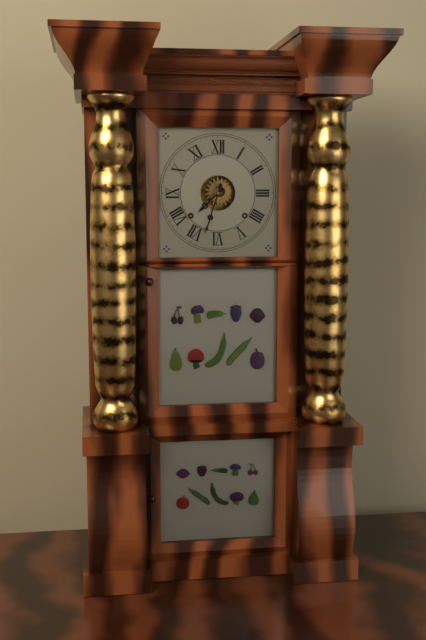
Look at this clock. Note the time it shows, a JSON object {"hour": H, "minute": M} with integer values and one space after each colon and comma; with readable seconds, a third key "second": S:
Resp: {"hour": 7, "minute": 33}
